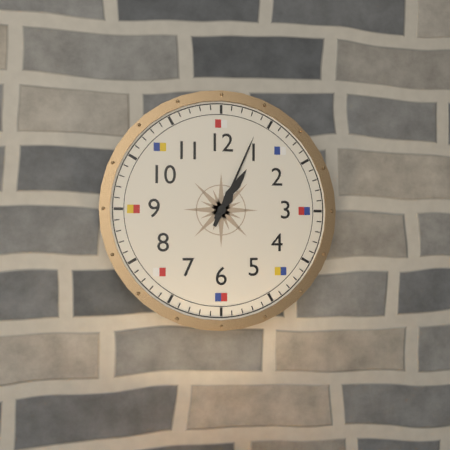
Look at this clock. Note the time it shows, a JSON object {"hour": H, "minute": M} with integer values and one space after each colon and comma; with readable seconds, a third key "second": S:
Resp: {"hour": 1, "minute": 4}
